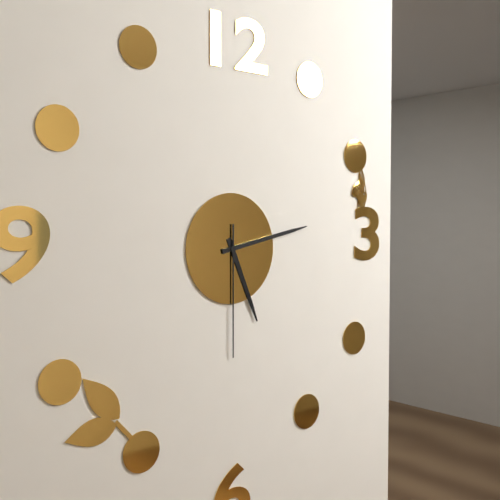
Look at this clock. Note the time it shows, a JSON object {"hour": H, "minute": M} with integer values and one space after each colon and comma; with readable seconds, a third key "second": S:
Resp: {"hour": 5, "minute": 13, "second": 30}
